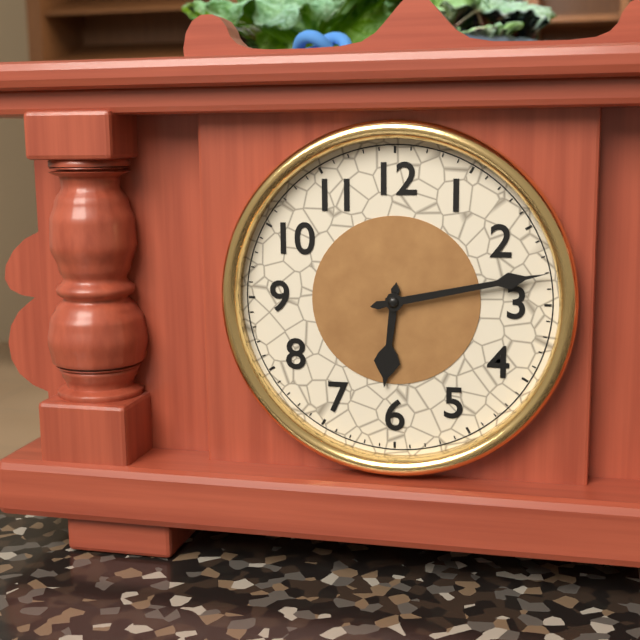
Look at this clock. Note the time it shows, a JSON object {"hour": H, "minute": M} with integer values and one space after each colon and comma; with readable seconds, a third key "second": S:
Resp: {"hour": 6, "minute": 13}
